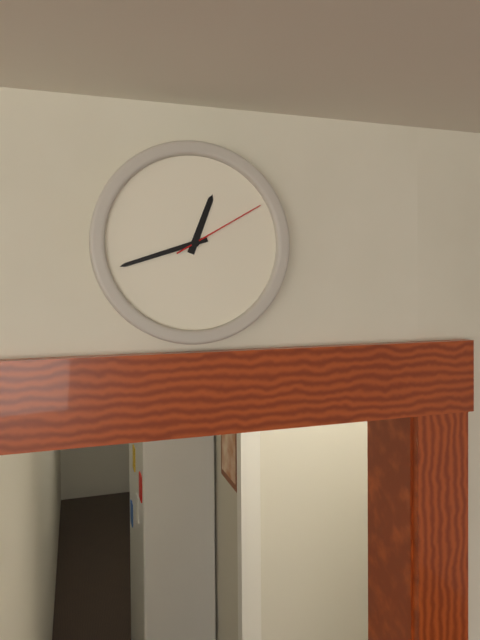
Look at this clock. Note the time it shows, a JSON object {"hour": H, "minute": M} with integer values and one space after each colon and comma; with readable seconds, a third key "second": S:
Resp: {"hour": 12, "minute": 42, "second": 10}
